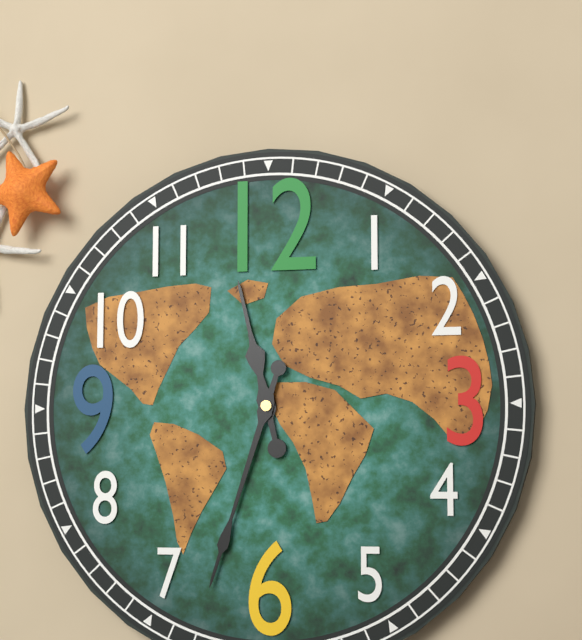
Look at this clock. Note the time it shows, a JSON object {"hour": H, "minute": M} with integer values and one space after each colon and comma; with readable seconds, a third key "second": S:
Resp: {"hour": 11, "minute": 33}
